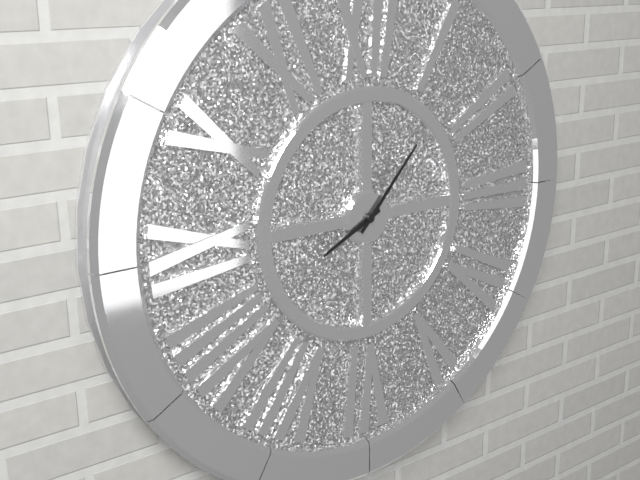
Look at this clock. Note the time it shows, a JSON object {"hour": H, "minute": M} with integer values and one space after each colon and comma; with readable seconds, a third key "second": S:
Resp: {"hour": 8, "minute": 7}
